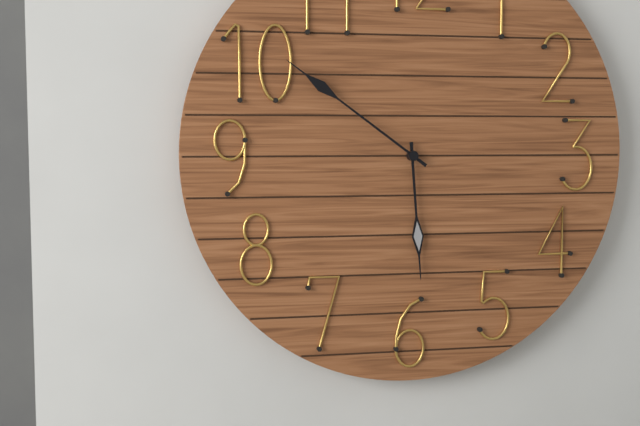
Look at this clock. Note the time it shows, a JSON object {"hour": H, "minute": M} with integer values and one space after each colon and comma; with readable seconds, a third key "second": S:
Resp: {"hour": 5, "minute": 51}
